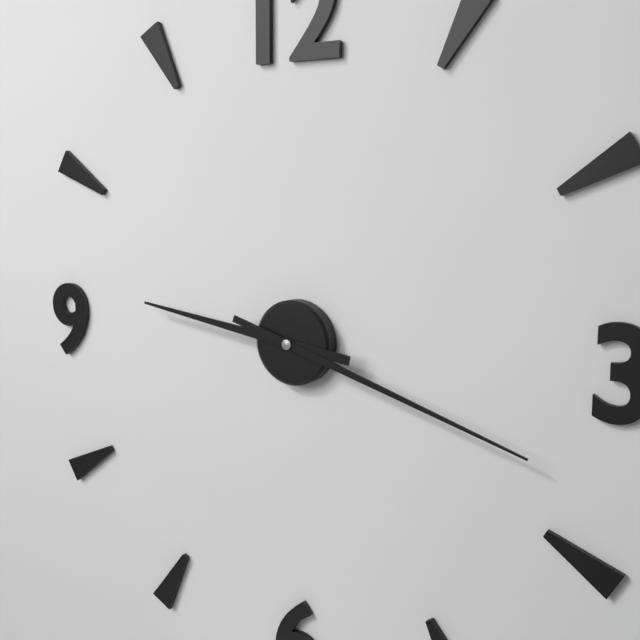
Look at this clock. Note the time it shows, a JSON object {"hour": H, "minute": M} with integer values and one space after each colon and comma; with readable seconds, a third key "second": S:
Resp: {"hour": 9, "minute": 18}
